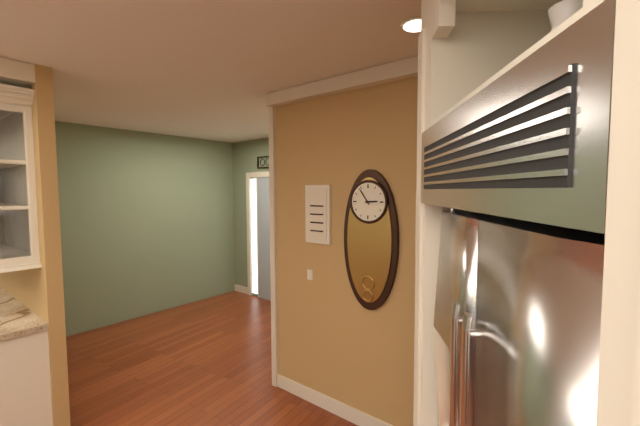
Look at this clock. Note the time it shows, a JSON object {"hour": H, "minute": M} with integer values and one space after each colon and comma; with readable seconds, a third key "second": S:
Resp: {"hour": 2, "minute": 54}
